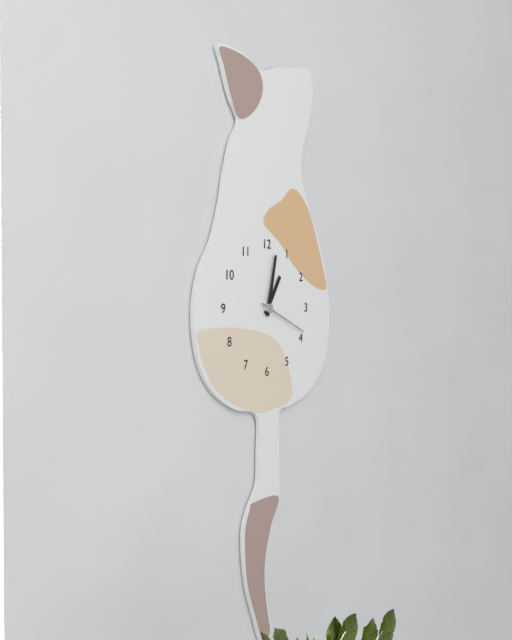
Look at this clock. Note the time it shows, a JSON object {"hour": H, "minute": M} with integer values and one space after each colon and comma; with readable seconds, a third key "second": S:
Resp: {"hour": 1, "minute": 2, "second": 19}
